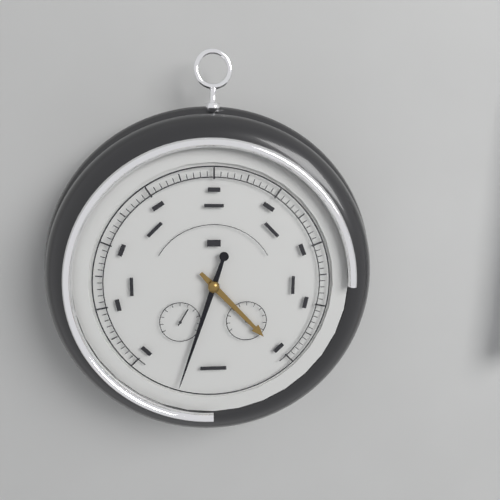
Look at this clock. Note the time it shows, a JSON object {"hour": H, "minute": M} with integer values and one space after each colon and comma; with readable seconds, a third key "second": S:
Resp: {"hour": 4, "minute": 33}
